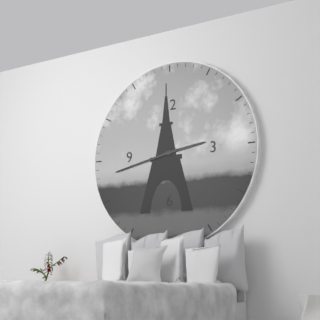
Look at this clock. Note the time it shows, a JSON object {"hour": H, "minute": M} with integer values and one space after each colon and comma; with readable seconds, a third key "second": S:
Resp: {"hour": 2, "minute": 43}
